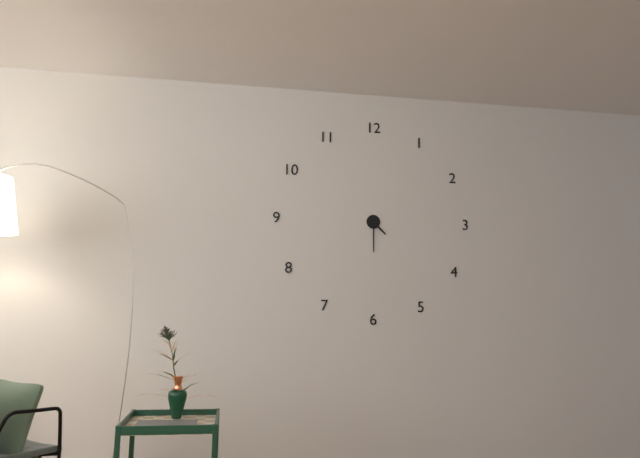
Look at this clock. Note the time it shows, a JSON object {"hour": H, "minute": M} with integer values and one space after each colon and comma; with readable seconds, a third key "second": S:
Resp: {"hour": 4, "minute": 30}
